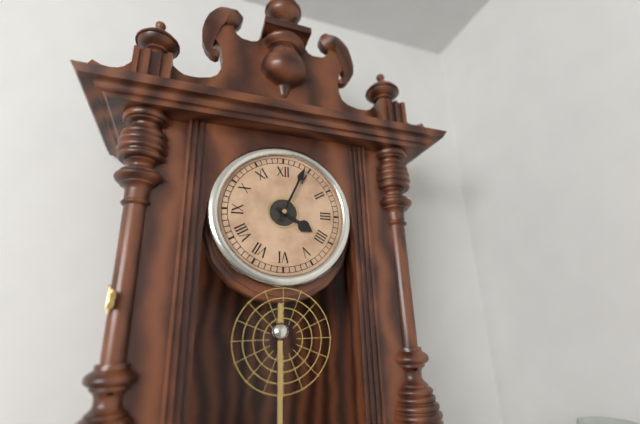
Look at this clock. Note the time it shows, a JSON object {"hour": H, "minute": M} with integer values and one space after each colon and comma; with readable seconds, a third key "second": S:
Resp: {"hour": 4, "minute": 4}
